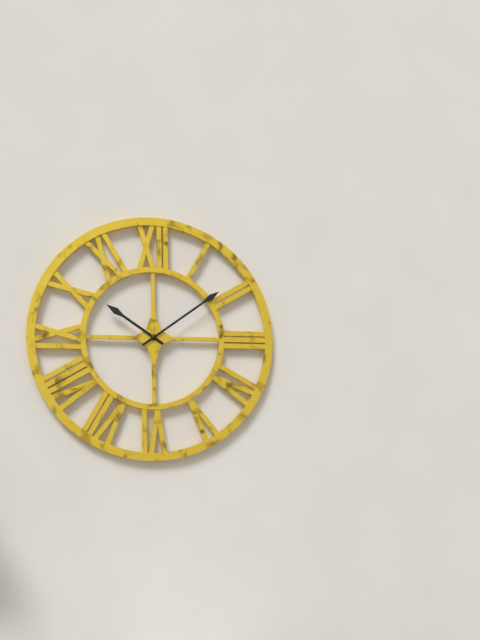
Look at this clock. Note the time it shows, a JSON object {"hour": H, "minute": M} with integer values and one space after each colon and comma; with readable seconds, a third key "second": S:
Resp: {"hour": 10, "minute": 9}
